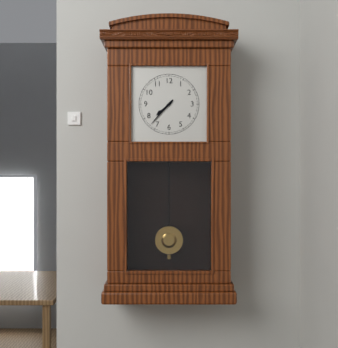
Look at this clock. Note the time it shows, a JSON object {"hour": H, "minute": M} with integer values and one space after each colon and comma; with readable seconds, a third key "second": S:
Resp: {"hour": 7, "minute": 37}
